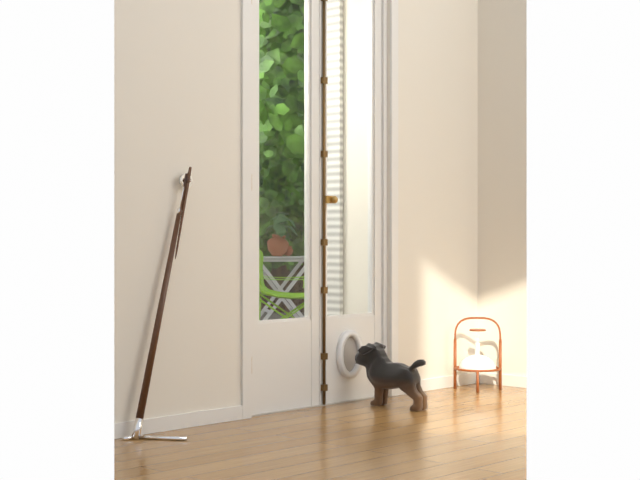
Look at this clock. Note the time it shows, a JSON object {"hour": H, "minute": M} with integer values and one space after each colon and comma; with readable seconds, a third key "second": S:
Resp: {"hour": 6, "minute": 32}
